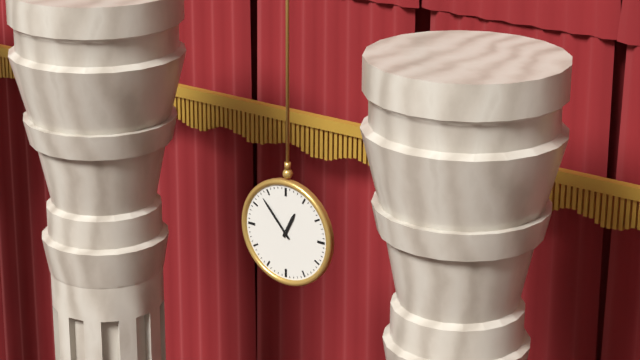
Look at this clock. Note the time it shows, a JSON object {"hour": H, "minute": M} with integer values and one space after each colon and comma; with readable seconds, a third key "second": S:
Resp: {"hour": 12, "minute": 53}
